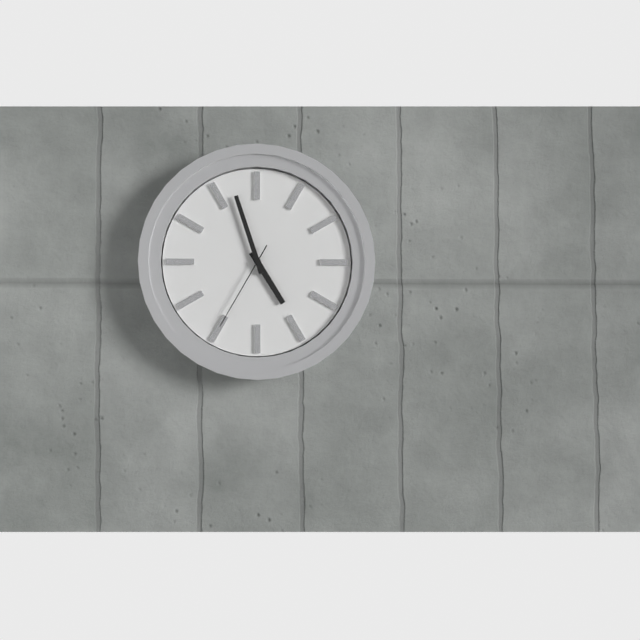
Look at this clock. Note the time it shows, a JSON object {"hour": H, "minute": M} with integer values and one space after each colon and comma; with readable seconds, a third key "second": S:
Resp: {"hour": 4, "minute": 57, "second": 35}
